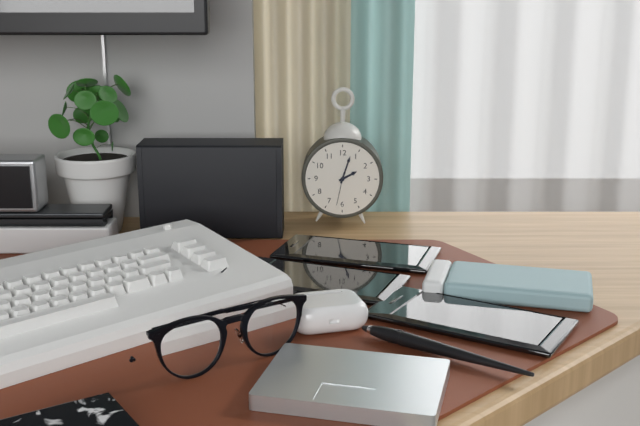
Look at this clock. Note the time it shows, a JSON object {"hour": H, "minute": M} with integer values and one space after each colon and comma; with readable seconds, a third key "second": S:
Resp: {"hour": 2, "minute": 3}
